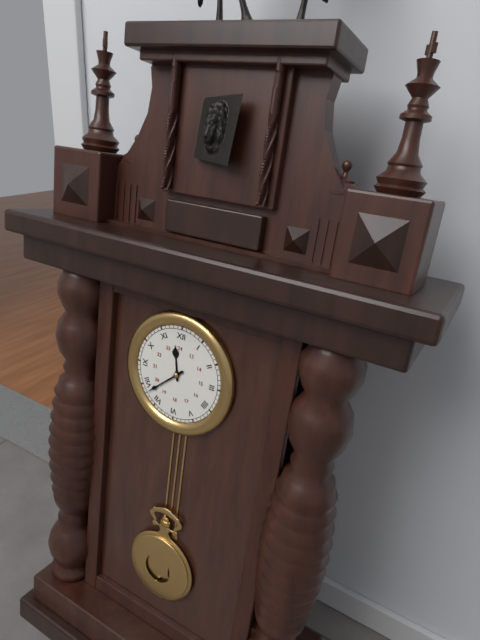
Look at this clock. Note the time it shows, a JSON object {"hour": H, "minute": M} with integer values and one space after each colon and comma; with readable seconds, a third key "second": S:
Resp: {"hour": 11, "minute": 38}
